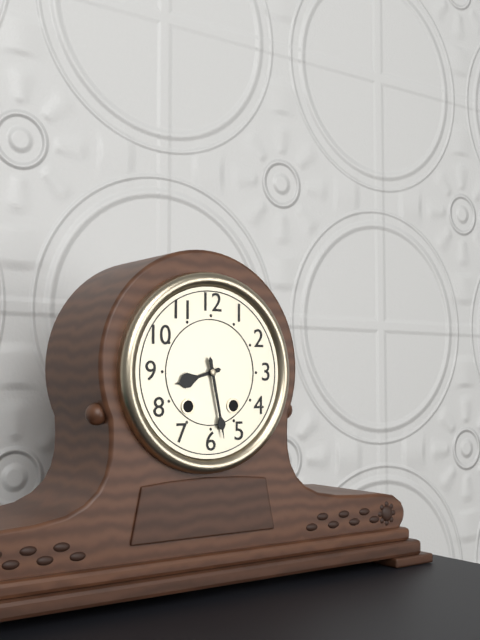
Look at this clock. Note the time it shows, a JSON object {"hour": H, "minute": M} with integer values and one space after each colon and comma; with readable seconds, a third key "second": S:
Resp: {"hour": 8, "minute": 28}
